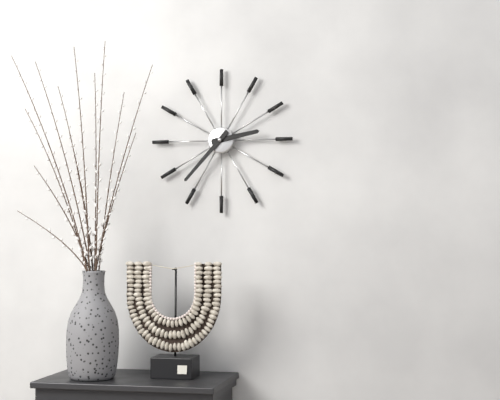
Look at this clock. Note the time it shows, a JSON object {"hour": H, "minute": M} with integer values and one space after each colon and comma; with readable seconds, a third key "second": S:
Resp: {"hour": 2, "minute": 37}
